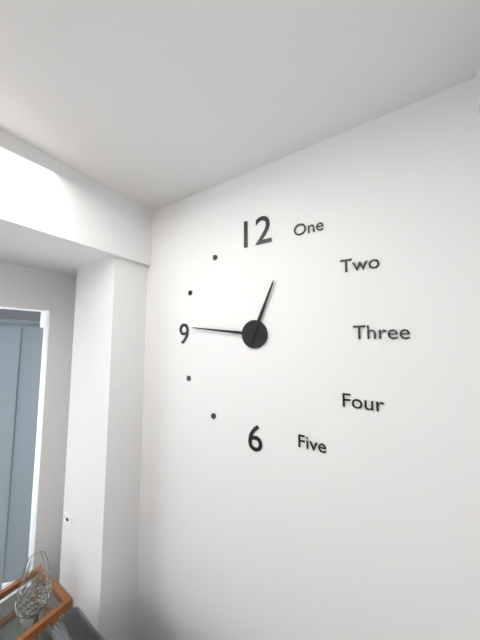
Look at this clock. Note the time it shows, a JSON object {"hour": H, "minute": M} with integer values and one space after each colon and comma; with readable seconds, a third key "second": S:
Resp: {"hour": 12, "minute": 46}
